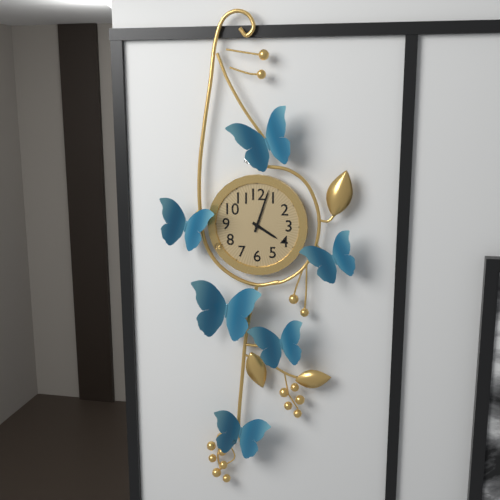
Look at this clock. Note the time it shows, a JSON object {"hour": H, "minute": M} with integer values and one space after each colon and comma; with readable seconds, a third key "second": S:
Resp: {"hour": 4, "minute": 3}
